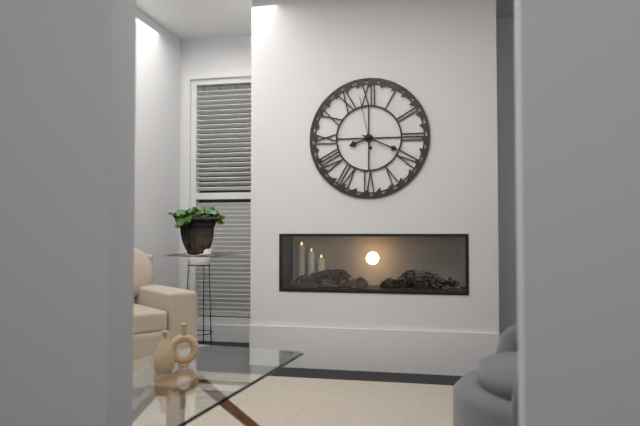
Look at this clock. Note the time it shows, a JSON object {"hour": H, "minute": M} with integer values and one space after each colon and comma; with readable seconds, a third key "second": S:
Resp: {"hour": 8, "minute": 19, "second": 58}
